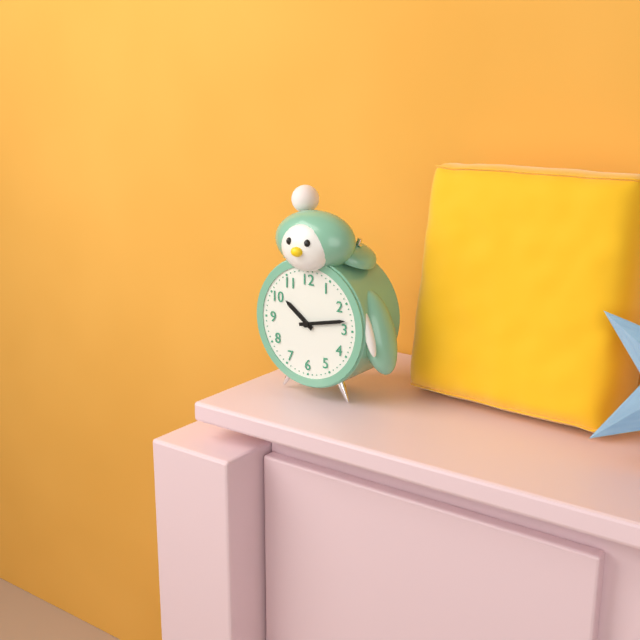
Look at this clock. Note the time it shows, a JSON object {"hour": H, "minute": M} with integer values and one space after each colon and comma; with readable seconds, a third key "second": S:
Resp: {"hour": 10, "minute": 13}
